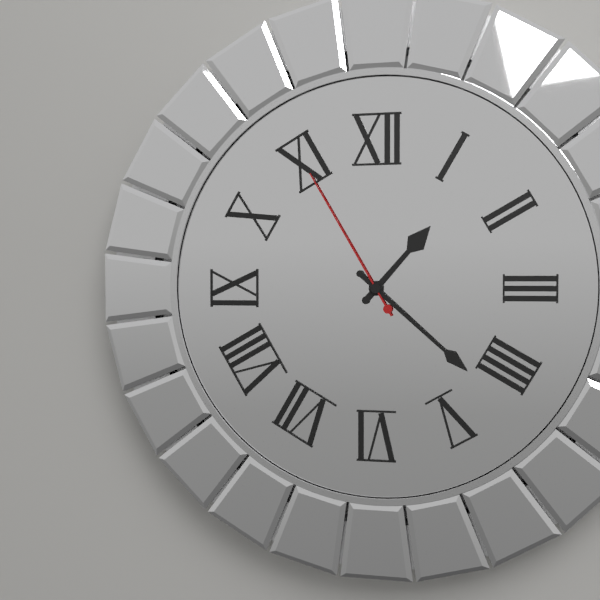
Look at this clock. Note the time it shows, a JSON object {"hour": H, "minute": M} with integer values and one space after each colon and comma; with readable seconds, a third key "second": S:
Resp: {"hour": 1, "minute": 22, "second": 55}
